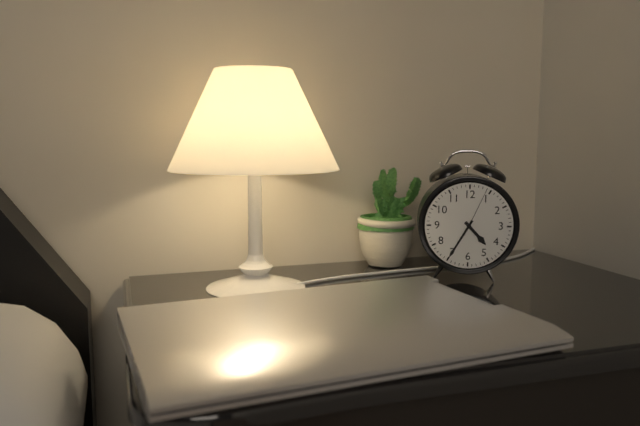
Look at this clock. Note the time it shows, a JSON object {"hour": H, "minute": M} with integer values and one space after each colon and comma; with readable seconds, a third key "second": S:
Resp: {"hour": 4, "minute": 35}
